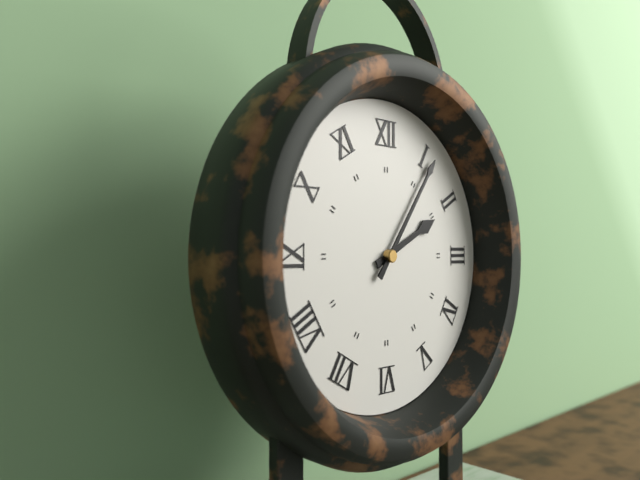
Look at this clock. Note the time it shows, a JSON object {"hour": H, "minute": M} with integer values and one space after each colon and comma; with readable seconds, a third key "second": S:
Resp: {"hour": 2, "minute": 6}
